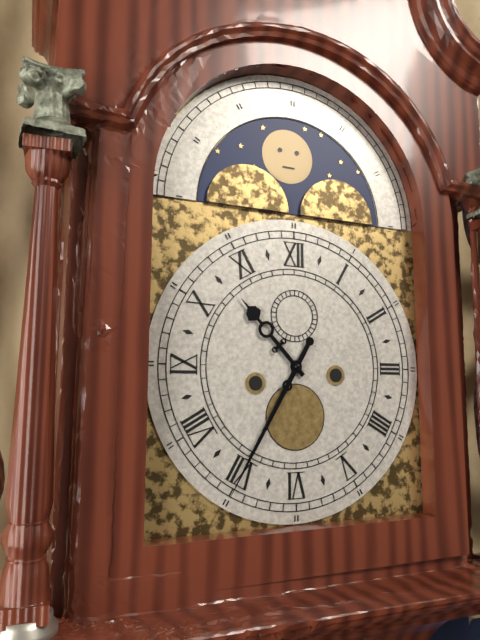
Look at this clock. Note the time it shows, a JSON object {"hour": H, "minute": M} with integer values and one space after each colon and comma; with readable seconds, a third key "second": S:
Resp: {"hour": 10, "minute": 35}
